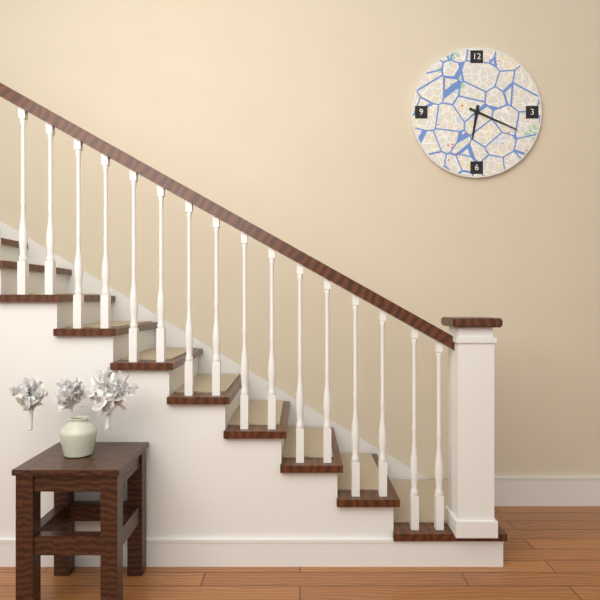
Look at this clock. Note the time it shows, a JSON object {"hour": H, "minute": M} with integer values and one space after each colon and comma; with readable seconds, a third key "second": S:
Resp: {"hour": 6, "minute": 19}
